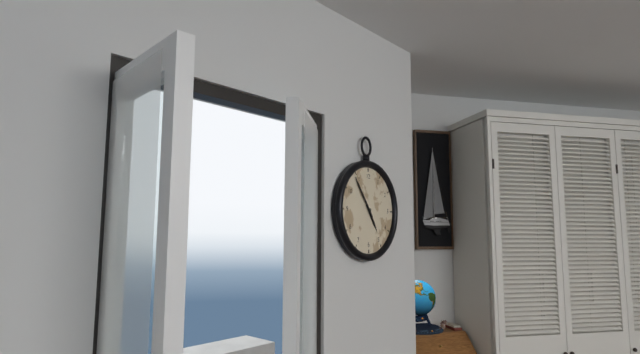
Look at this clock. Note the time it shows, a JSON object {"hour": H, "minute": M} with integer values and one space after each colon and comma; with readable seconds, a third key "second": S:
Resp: {"hour": 4, "minute": 54}
